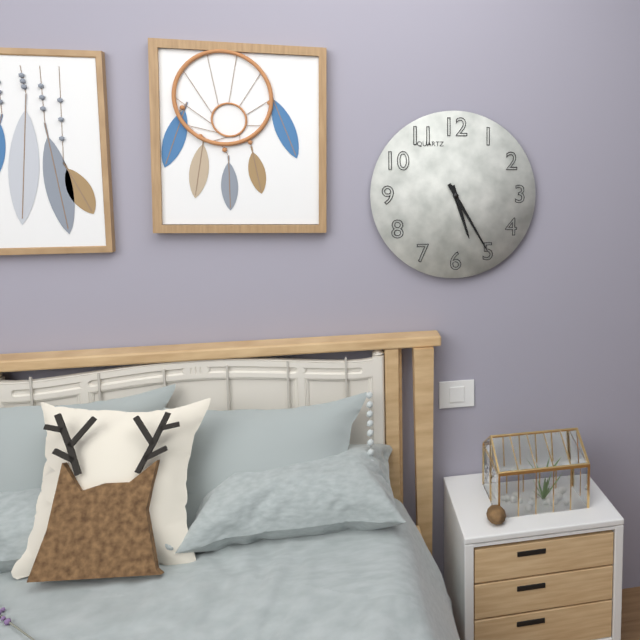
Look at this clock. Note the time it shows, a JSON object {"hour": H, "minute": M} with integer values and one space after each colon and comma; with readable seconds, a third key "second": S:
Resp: {"hour": 5, "minute": 25}
